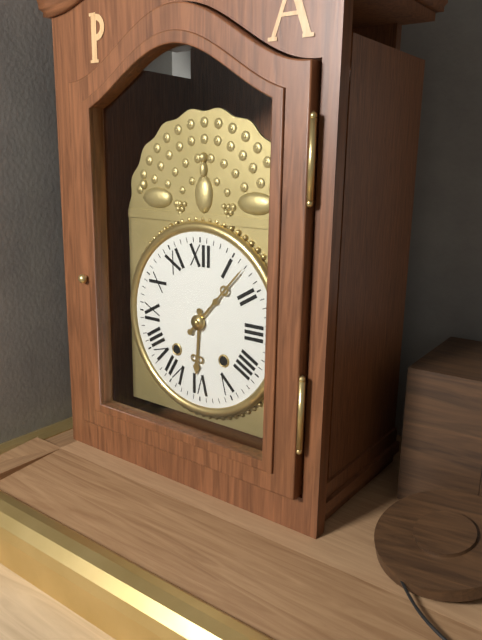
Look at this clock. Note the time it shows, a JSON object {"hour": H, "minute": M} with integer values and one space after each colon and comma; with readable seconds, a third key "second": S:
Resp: {"hour": 6, "minute": 7}
